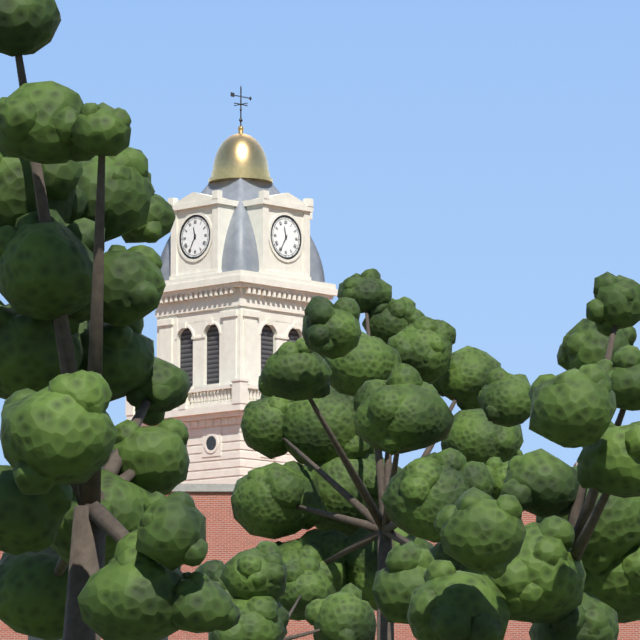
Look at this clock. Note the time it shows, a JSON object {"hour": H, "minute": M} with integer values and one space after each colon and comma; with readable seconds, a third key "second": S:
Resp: {"hour": 11, "minute": 35}
